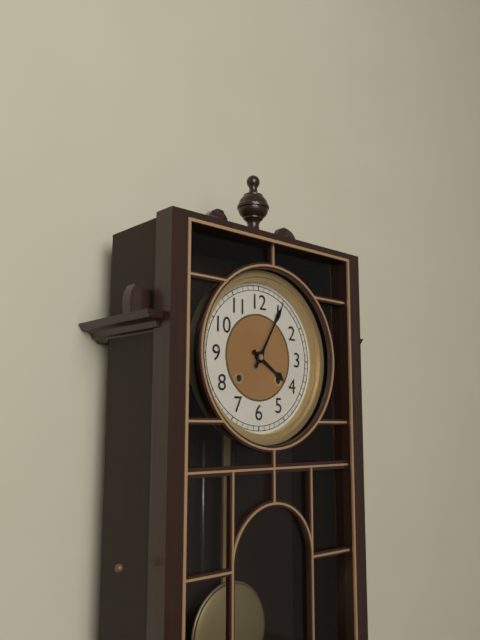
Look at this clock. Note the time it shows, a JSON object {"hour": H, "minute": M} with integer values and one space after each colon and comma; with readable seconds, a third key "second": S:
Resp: {"hour": 4, "minute": 5}
